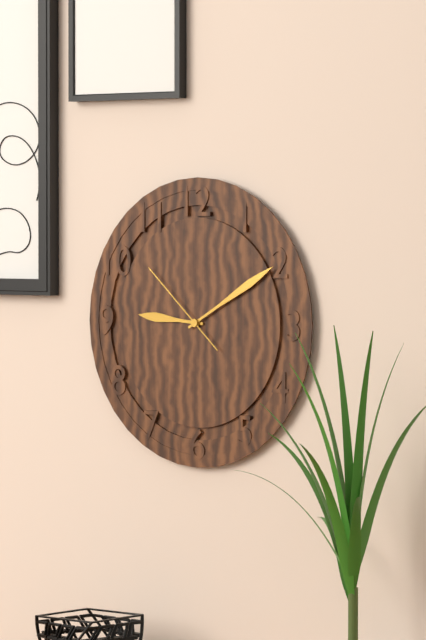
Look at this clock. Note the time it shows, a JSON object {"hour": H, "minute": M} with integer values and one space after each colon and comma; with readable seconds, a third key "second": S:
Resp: {"hour": 9, "minute": 10, "second": 52}
